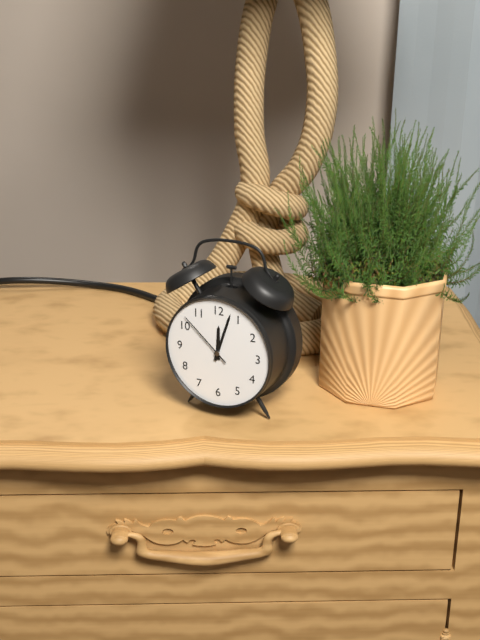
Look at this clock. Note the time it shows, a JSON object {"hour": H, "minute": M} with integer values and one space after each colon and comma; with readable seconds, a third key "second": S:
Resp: {"hour": 12, "minute": 3, "second": 52}
